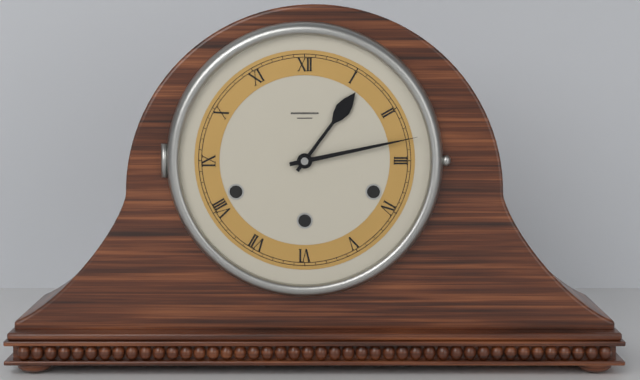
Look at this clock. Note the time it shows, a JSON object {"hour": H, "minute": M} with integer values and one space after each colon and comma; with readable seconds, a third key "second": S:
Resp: {"hour": 1, "minute": 13}
